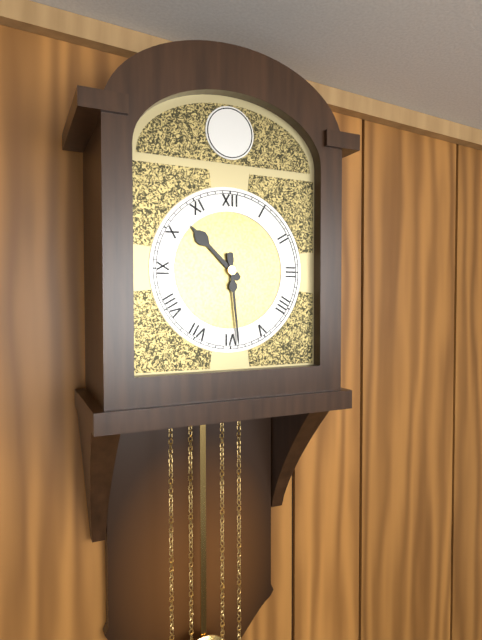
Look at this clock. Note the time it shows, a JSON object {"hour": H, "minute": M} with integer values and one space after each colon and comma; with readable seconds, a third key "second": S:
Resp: {"hour": 10, "minute": 29}
